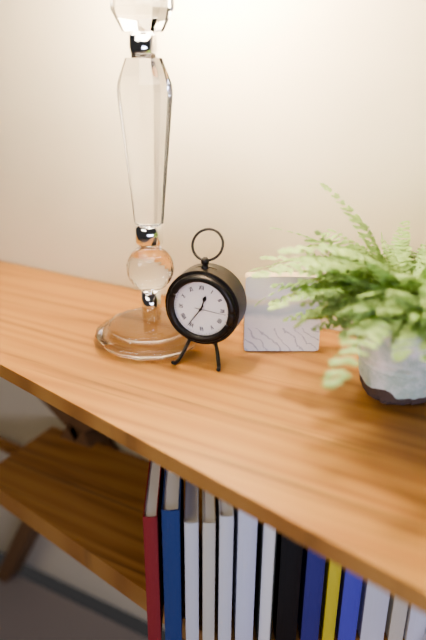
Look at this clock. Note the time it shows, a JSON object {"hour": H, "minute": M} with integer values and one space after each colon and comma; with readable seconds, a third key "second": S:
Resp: {"hour": 12, "minute": 36}
